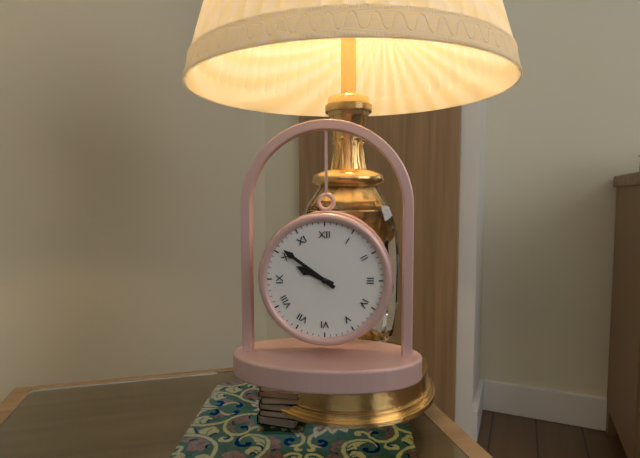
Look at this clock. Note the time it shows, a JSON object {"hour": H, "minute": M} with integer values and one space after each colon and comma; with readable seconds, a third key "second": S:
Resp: {"hour": 9, "minute": 51}
